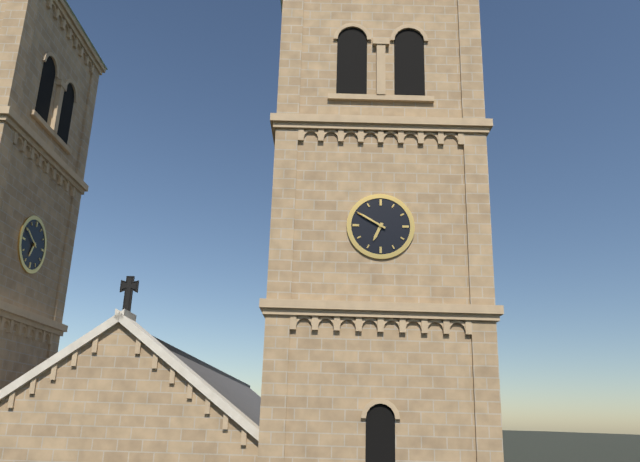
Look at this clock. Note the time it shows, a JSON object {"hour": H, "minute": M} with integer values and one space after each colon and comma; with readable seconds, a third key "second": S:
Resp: {"hour": 6, "minute": 50}
